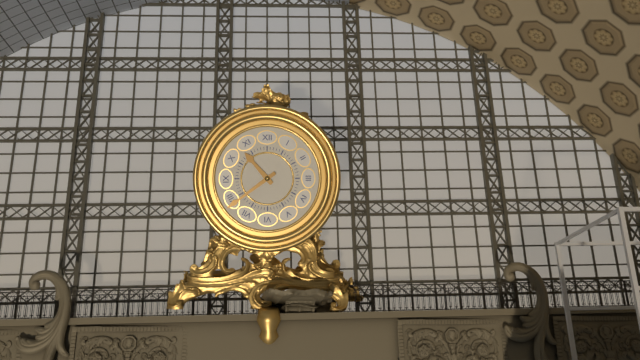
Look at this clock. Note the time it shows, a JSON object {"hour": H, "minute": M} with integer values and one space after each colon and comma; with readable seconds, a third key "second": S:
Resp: {"hour": 10, "minute": 39}
